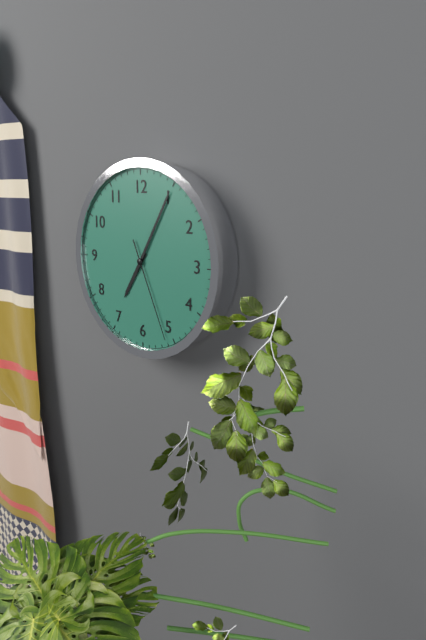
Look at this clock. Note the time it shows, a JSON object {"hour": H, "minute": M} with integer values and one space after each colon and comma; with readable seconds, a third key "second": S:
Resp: {"hour": 7, "minute": 5, "second": 26}
